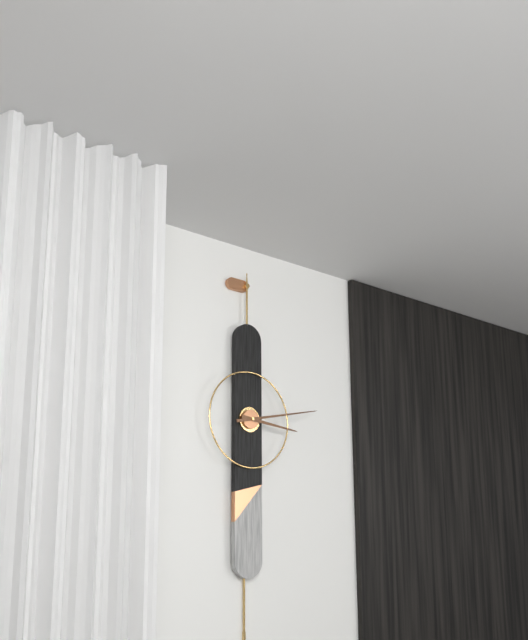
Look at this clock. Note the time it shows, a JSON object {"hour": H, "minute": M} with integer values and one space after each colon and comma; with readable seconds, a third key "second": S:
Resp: {"hour": 3, "minute": 13}
